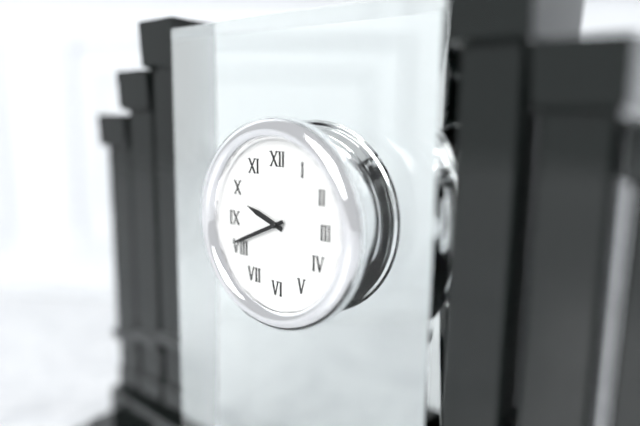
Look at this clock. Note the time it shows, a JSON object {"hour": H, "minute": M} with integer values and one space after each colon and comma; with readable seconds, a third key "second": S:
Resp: {"hour": 9, "minute": 41}
